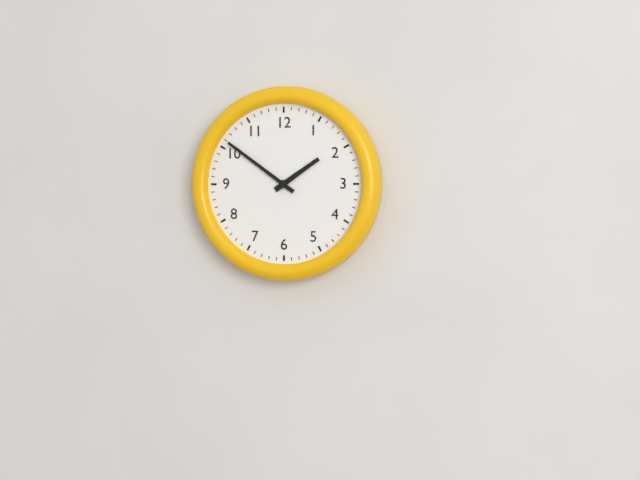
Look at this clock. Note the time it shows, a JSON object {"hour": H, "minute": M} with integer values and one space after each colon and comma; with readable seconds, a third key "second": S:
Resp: {"hour": 1, "minute": 51}
